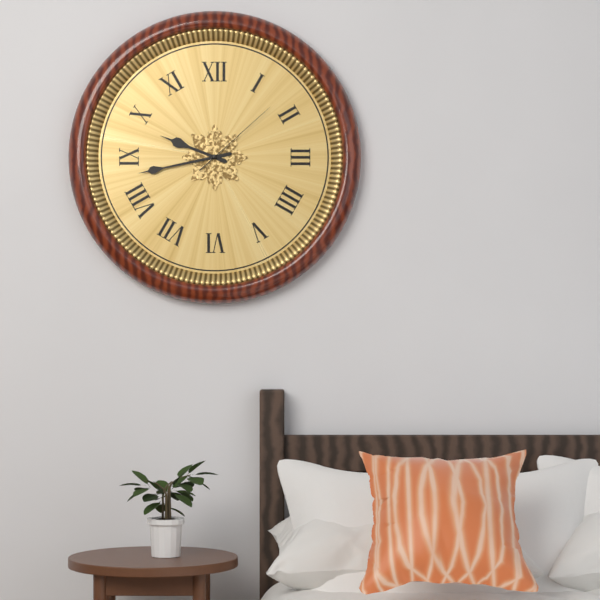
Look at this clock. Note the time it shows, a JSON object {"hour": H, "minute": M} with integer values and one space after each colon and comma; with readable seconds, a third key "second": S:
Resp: {"hour": 9, "minute": 43, "second": 8}
